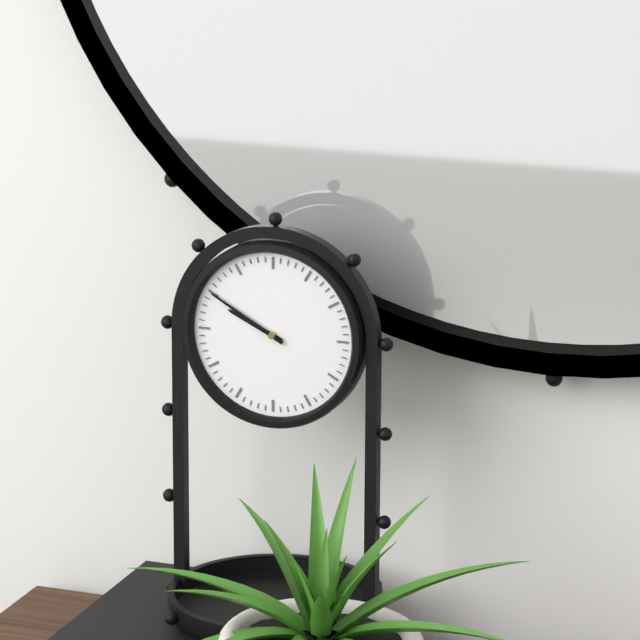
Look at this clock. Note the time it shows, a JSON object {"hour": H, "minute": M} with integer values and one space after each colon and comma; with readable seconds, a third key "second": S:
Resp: {"hour": 9, "minute": 50}
